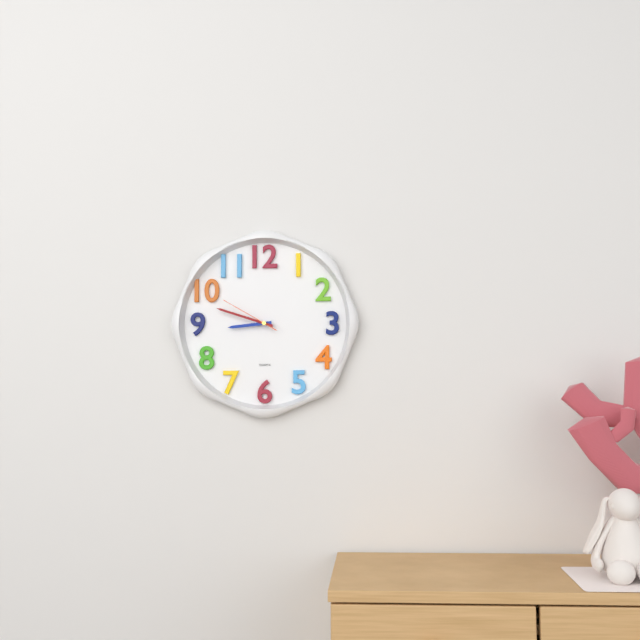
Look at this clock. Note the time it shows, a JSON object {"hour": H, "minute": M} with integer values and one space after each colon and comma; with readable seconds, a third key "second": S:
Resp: {"hour": 8, "minute": 48, "second": 50}
